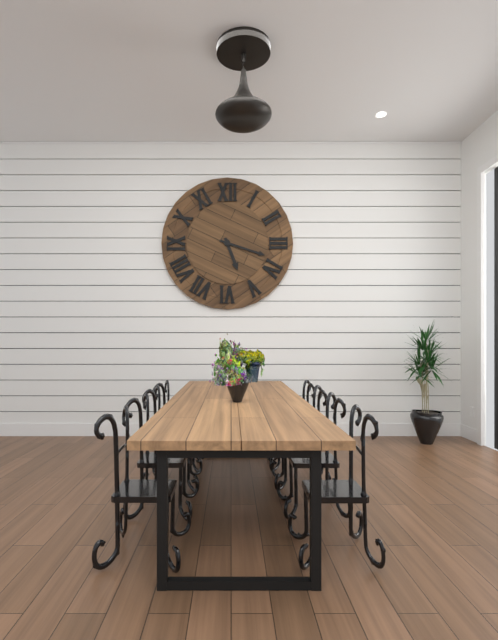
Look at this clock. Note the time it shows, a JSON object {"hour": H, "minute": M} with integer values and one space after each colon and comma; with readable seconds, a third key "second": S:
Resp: {"hour": 5, "minute": 18}
